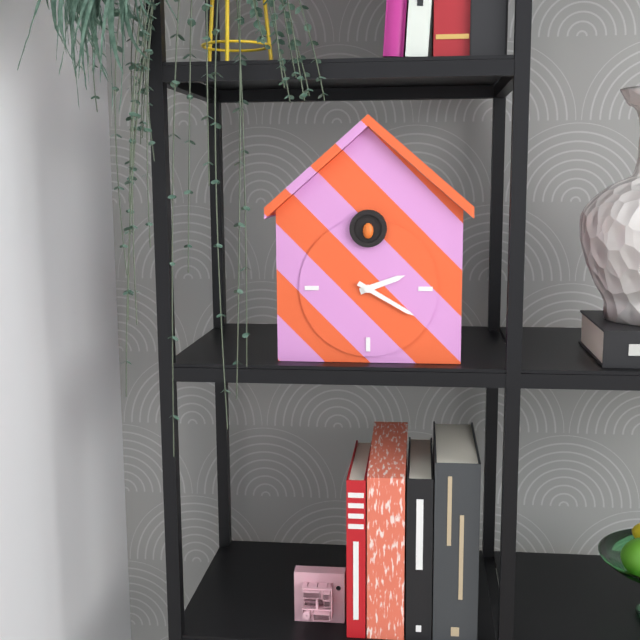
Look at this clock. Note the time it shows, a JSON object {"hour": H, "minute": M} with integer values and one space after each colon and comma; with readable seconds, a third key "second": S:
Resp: {"hour": 2, "minute": 20}
